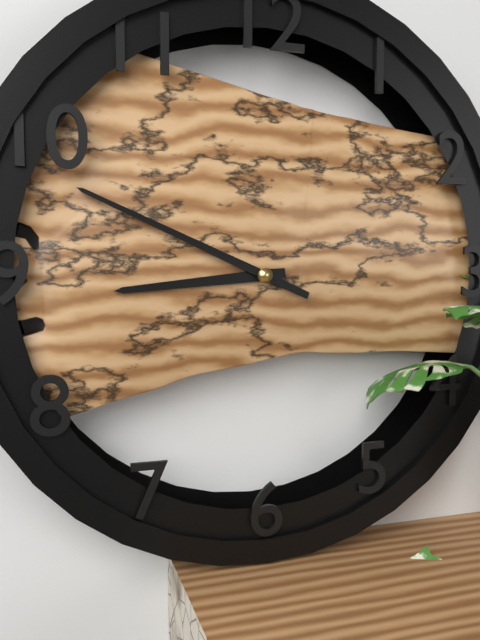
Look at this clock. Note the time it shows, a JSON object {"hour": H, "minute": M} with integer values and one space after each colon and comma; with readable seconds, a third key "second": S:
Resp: {"hour": 8, "minute": 49}
